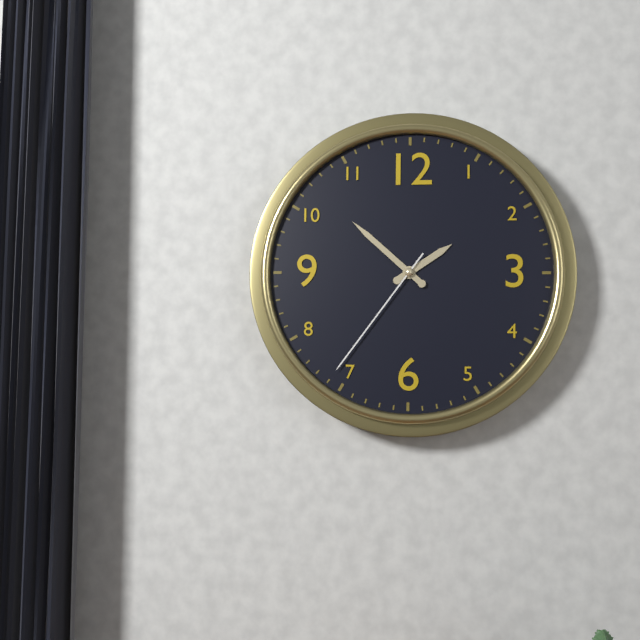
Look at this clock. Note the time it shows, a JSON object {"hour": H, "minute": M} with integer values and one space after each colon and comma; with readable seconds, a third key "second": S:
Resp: {"hour": 1, "minute": 52, "second": 36}
